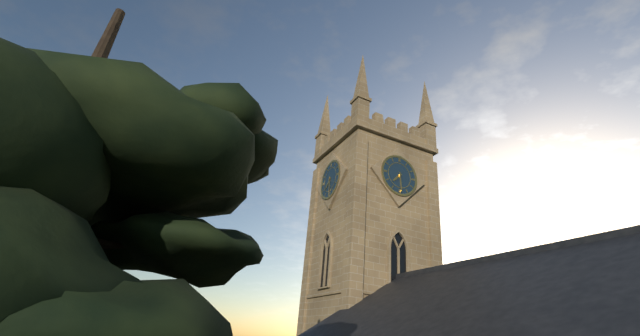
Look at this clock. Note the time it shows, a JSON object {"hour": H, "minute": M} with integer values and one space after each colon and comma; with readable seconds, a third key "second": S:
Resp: {"hour": 7, "minute": 29}
